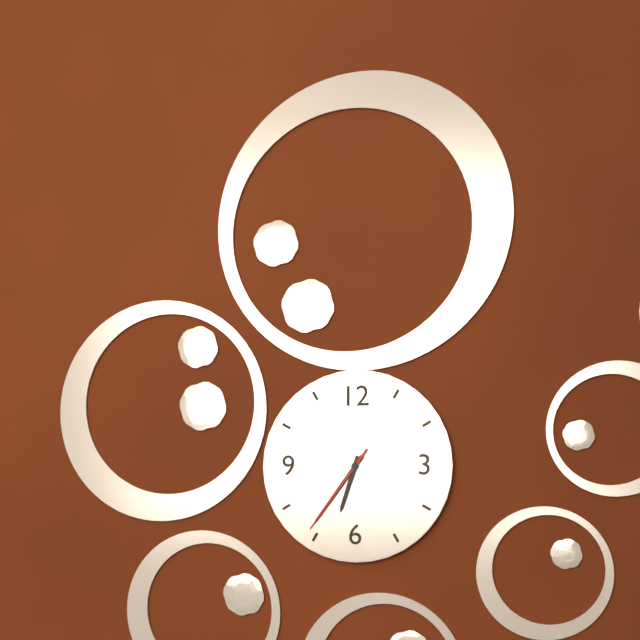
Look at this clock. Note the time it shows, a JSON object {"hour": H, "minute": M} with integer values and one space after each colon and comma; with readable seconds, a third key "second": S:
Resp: {"hour": 6, "minute": 36, "second": 36}
